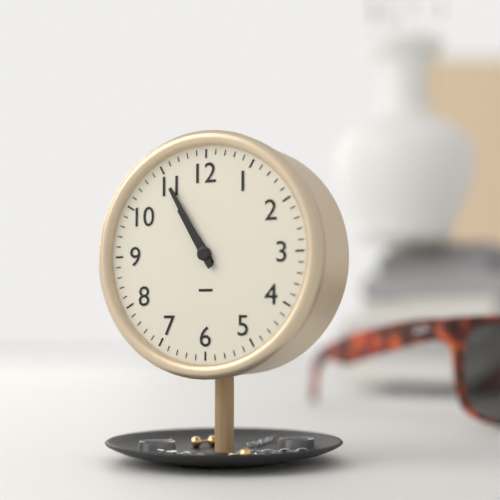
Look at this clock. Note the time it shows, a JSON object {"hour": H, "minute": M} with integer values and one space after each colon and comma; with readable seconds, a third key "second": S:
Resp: {"hour": 10, "minute": 55}
